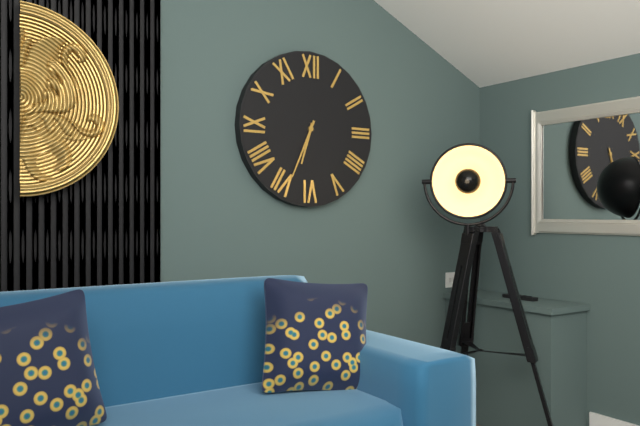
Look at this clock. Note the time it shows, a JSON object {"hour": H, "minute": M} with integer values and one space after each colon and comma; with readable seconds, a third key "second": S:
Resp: {"hour": 6, "minute": 34}
